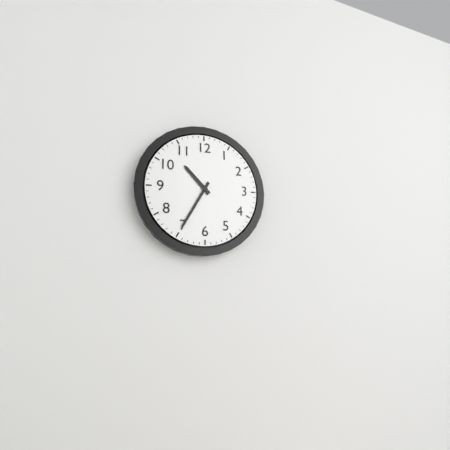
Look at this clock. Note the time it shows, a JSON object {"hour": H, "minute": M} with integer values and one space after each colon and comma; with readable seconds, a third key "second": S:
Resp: {"hour": 10, "minute": 35}
